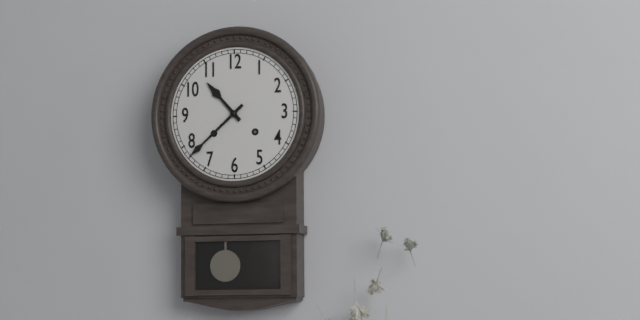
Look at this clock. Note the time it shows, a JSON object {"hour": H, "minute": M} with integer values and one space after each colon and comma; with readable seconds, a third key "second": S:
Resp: {"hour": 10, "minute": 38}
